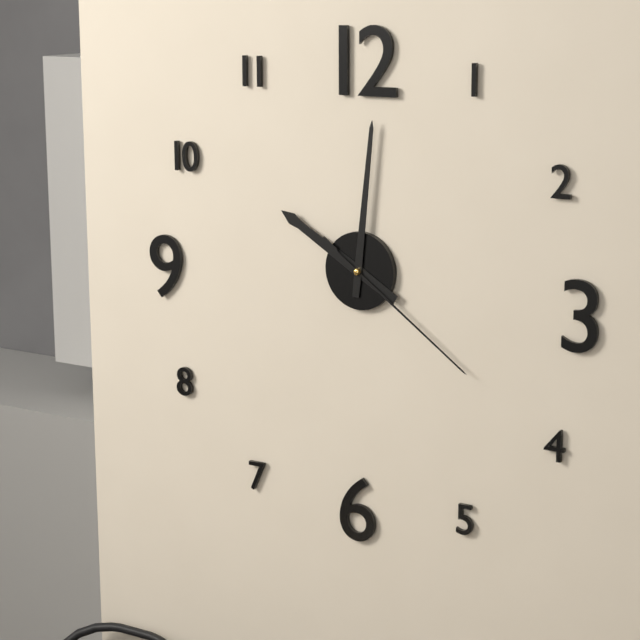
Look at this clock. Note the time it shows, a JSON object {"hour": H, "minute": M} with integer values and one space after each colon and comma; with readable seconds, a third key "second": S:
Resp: {"hour": 10, "minute": 1, "second": 21}
